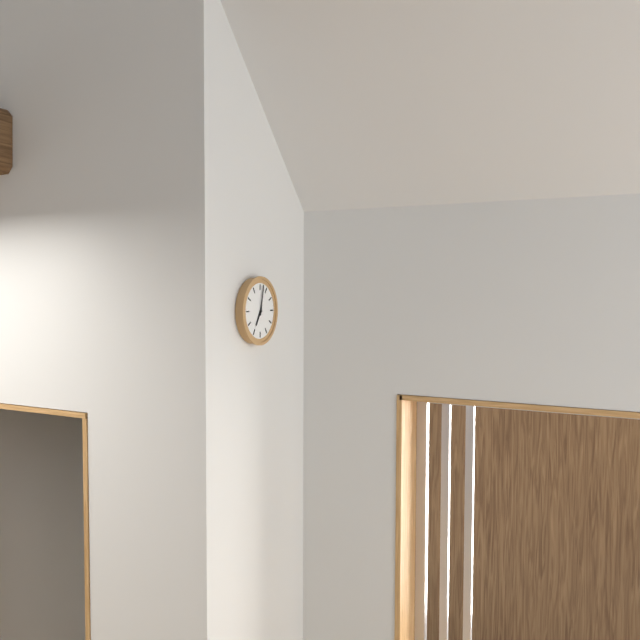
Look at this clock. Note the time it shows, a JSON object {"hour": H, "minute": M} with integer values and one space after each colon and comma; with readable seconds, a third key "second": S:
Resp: {"hour": 7, "minute": 2}
